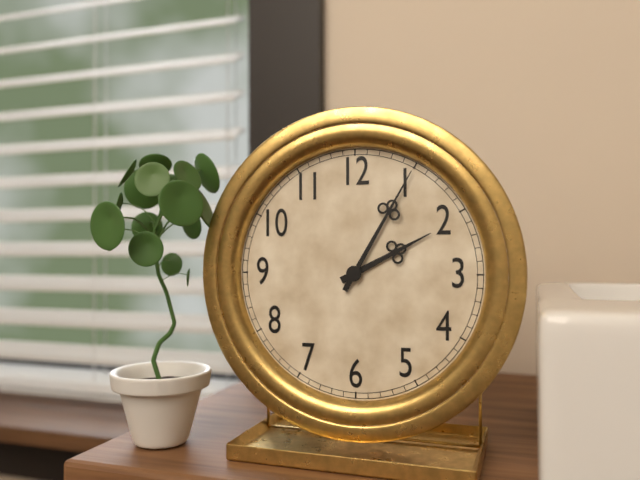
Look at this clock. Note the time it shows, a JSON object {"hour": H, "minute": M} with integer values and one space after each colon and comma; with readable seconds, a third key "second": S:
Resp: {"hour": 2, "minute": 5}
